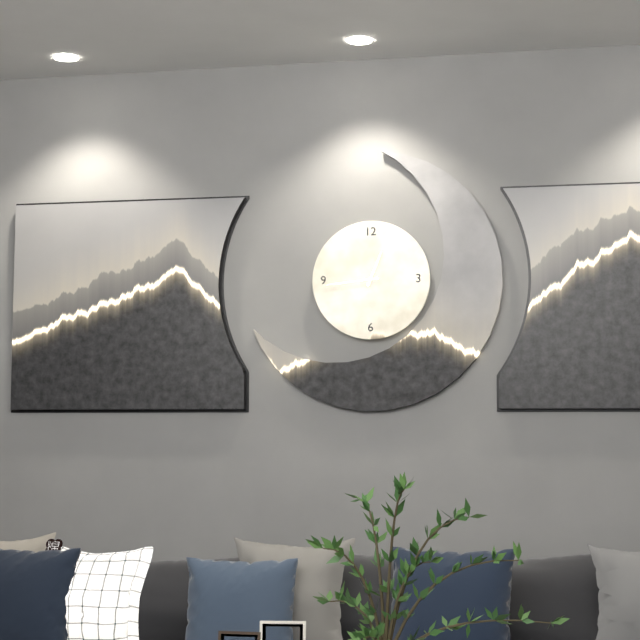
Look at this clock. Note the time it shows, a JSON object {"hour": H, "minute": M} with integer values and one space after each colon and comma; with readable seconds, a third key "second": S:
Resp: {"hour": 12, "minute": 44}
